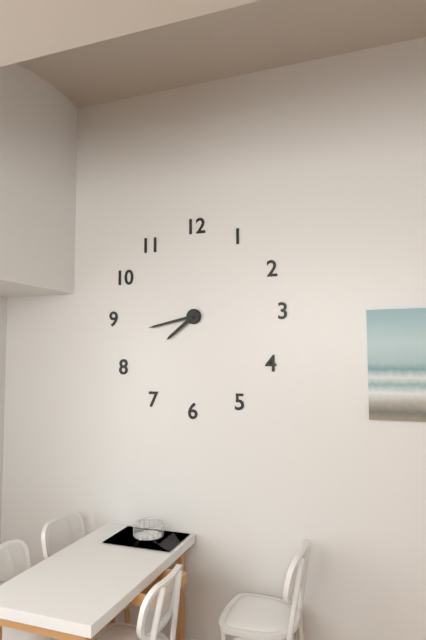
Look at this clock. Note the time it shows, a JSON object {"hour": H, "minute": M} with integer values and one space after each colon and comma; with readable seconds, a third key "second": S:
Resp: {"hour": 7, "minute": 43}
